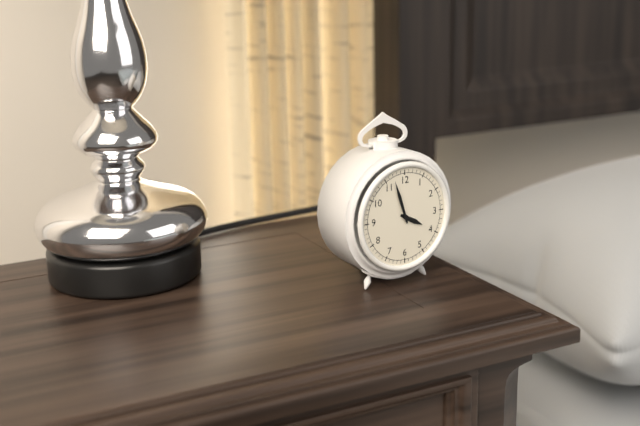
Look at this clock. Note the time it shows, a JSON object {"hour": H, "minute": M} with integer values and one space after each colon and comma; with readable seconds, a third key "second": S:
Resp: {"hour": 3, "minute": 57}
